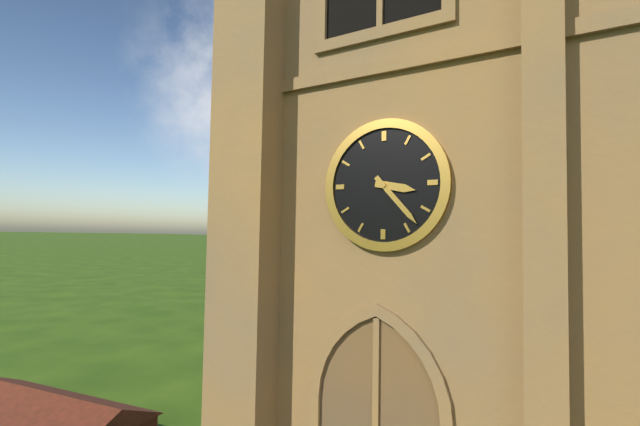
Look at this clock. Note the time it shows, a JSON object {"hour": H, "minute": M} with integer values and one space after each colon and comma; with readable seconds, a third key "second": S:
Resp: {"hour": 3, "minute": 23}
